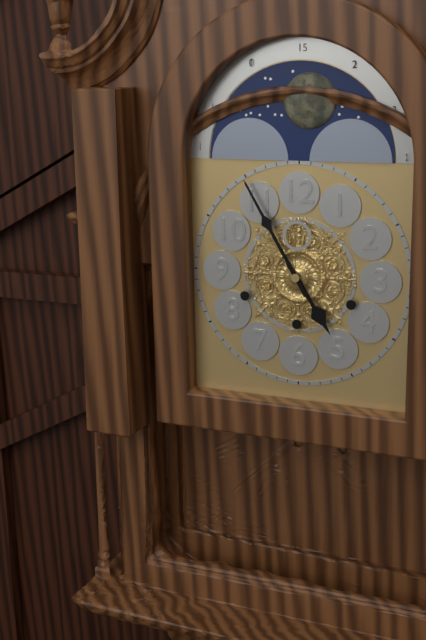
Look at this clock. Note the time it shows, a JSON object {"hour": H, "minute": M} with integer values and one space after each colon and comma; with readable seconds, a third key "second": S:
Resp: {"hour": 4, "minute": 55}
